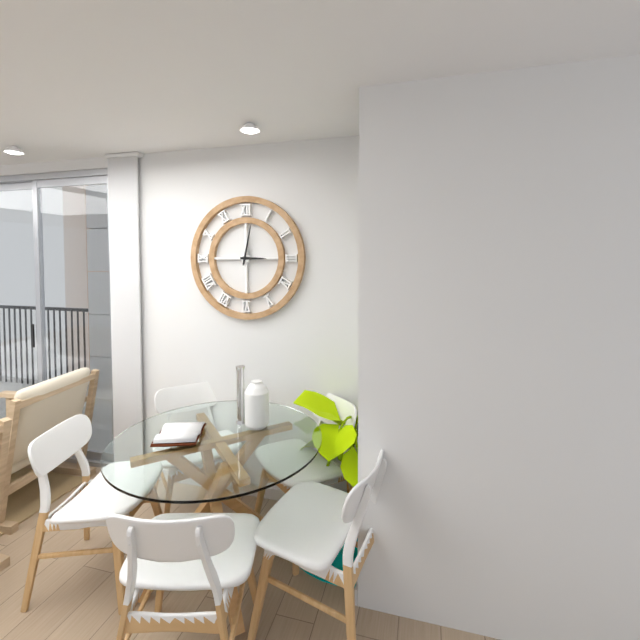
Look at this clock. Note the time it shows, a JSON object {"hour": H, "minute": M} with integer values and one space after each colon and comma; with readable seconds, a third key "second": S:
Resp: {"hour": 3, "minute": 2}
